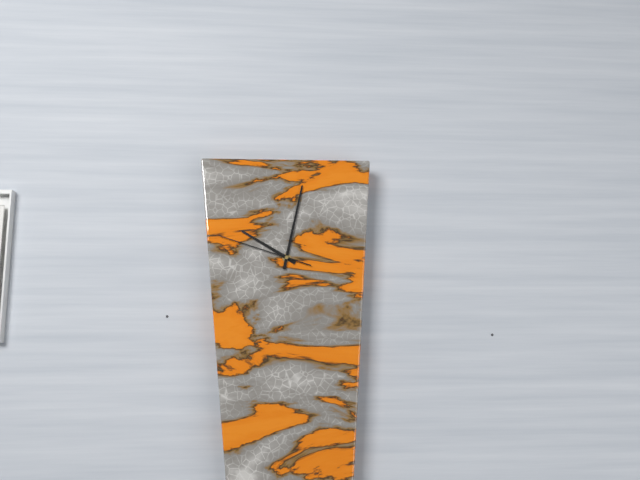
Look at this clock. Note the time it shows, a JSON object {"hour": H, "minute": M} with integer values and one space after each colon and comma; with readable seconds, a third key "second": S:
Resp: {"hour": 10, "minute": 2, "second": 48}
